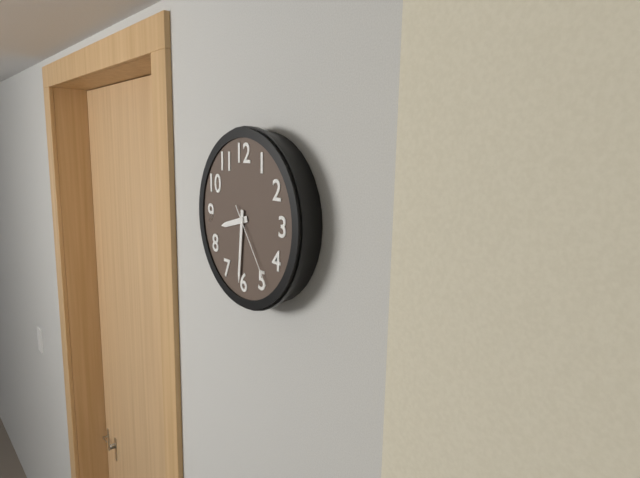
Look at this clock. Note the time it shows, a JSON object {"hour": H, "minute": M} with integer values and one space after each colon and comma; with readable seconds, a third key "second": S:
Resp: {"hour": 8, "minute": 31, "second": 24}
